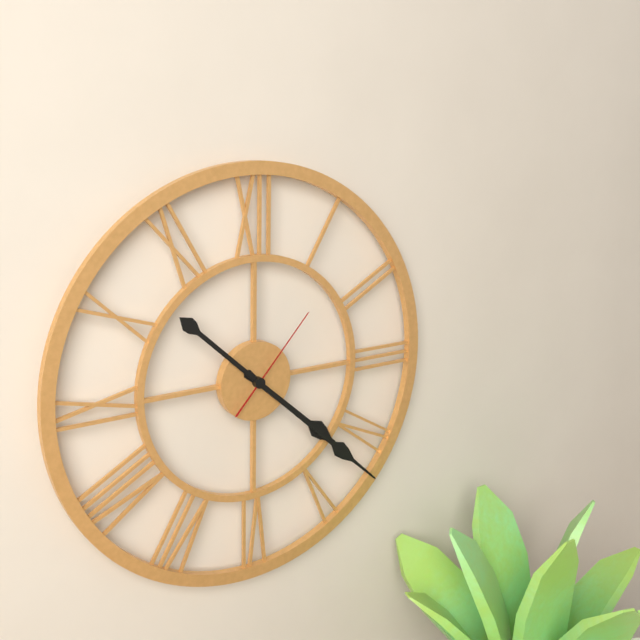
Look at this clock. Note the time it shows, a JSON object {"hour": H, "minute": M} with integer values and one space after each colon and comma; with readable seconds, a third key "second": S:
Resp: {"hour": 4, "minute": 22, "second": 7}
